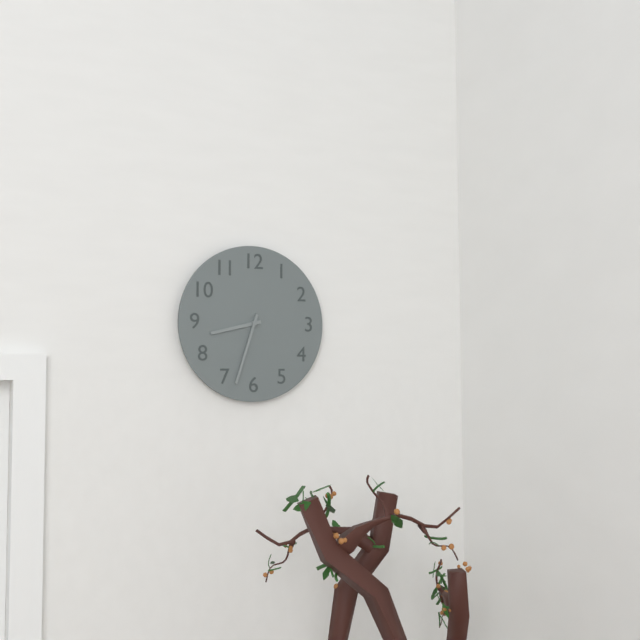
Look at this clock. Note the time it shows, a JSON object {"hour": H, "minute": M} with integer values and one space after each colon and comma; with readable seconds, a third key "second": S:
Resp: {"hour": 8, "minute": 33}
